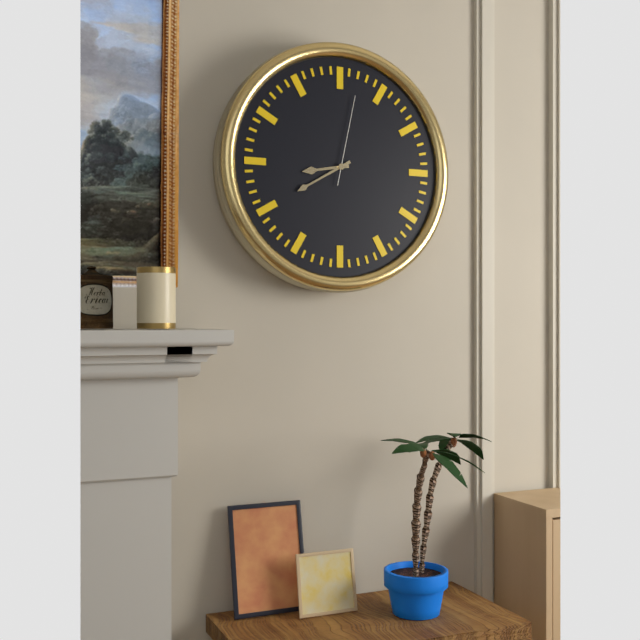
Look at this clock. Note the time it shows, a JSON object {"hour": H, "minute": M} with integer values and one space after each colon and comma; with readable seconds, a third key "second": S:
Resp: {"hour": 8, "minute": 40, "second": 2}
